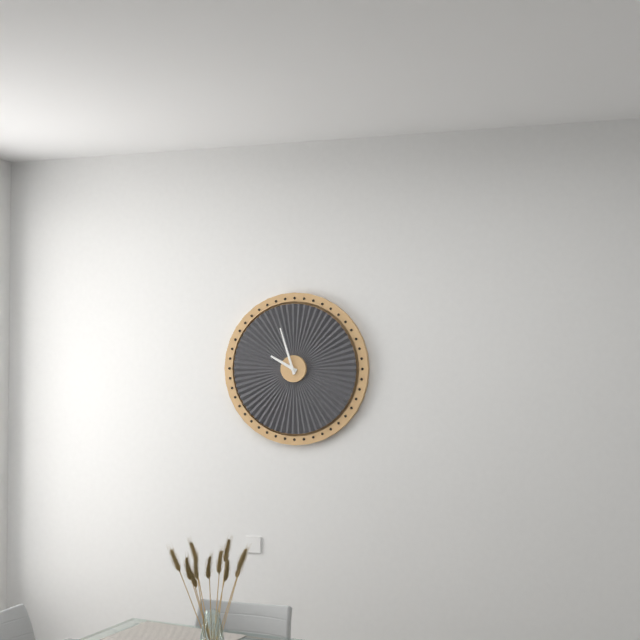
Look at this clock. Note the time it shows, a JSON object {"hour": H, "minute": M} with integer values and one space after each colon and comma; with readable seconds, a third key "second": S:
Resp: {"hour": 9, "minute": 57}
